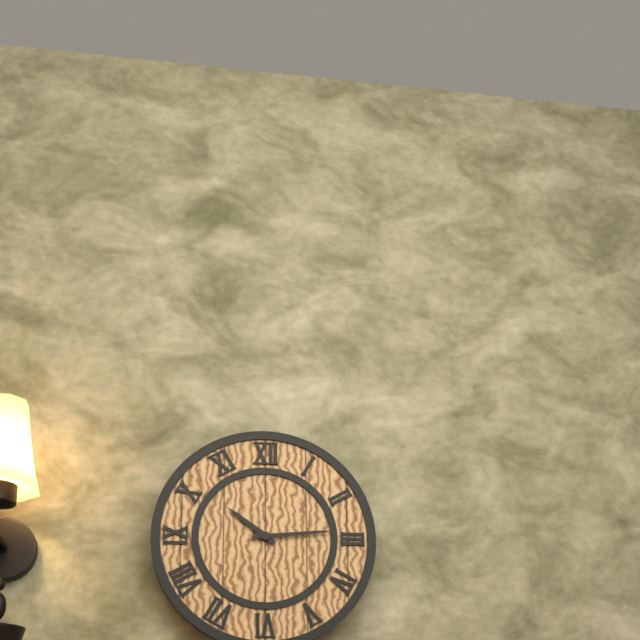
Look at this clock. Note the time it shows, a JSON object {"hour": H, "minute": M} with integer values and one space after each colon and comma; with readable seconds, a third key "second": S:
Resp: {"hour": 10, "minute": 14}
